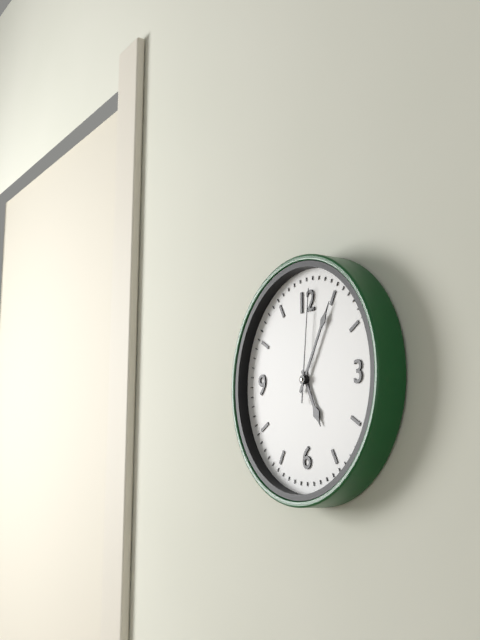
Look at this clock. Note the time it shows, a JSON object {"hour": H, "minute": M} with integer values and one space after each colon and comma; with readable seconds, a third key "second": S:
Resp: {"hour": 5, "minute": 5, "second": 1}
